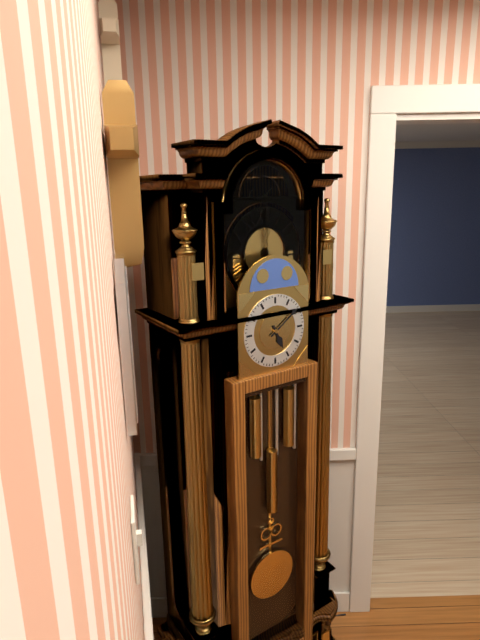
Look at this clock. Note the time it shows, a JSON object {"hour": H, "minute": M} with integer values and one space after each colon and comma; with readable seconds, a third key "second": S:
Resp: {"hour": 5, "minute": 9}
